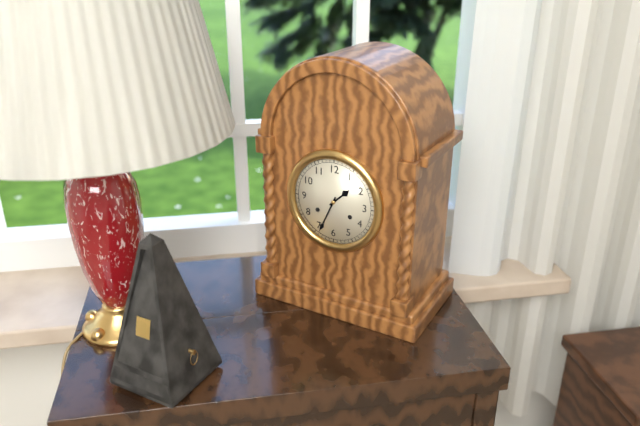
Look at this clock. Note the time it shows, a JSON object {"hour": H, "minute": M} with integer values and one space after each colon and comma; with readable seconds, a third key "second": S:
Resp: {"hour": 1, "minute": 34}
